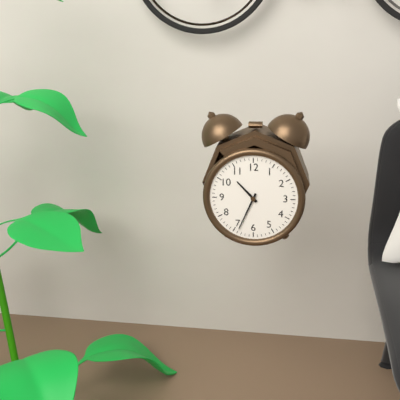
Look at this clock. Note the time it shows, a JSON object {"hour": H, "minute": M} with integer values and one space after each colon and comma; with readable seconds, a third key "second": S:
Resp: {"hour": 10, "minute": 34}
